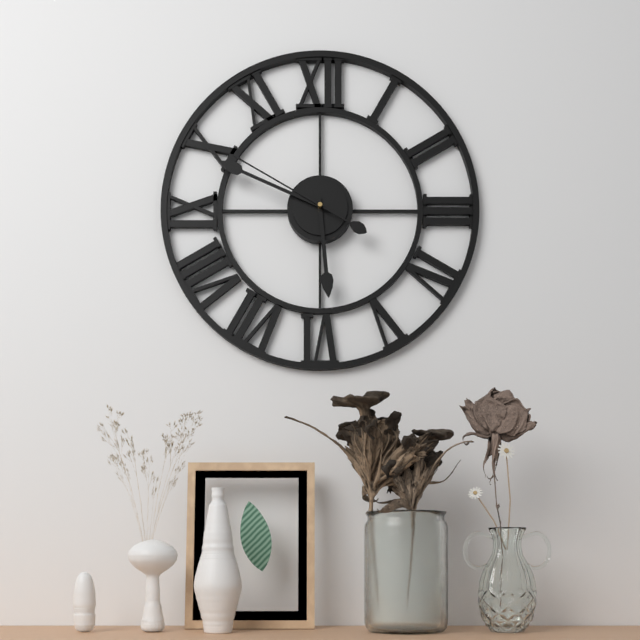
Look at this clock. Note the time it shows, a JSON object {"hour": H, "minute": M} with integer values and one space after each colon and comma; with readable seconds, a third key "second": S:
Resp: {"hour": 5, "minute": 49, "second": 50}
